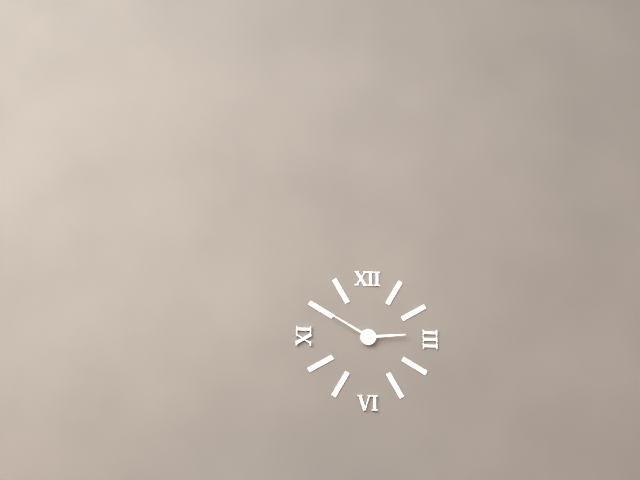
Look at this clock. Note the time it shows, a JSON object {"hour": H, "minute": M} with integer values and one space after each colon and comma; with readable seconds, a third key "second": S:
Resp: {"hour": 2, "minute": 50}
